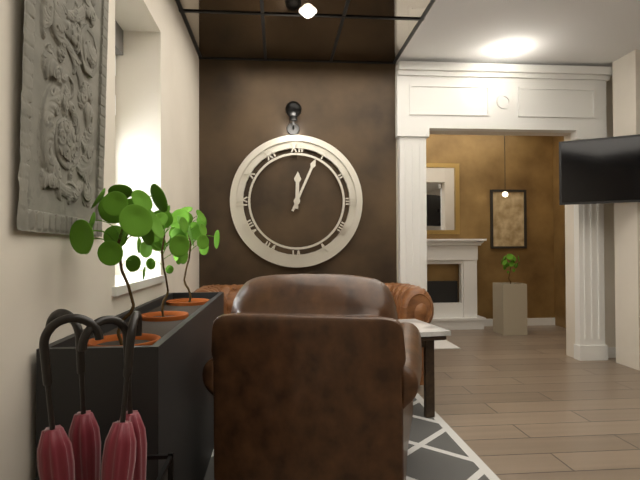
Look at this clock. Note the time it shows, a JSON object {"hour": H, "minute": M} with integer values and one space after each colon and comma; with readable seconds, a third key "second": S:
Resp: {"hour": 12, "minute": 4}
